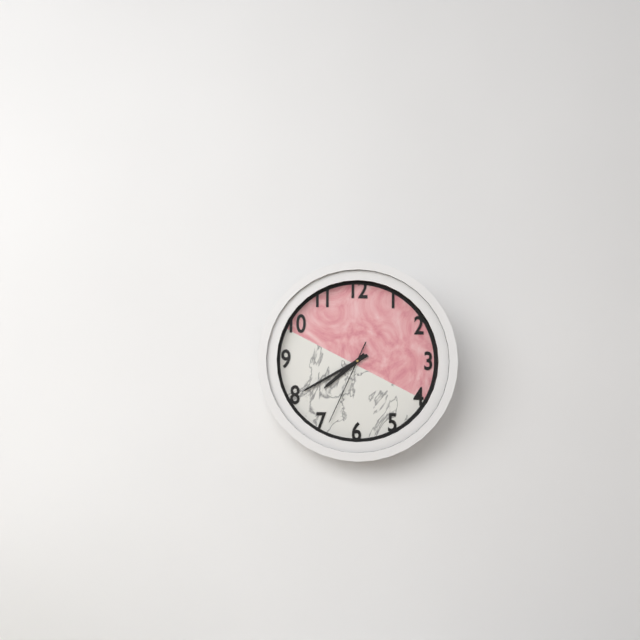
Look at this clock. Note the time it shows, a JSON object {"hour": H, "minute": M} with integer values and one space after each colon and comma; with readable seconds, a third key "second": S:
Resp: {"hour": 7, "minute": 40, "second": 34}
